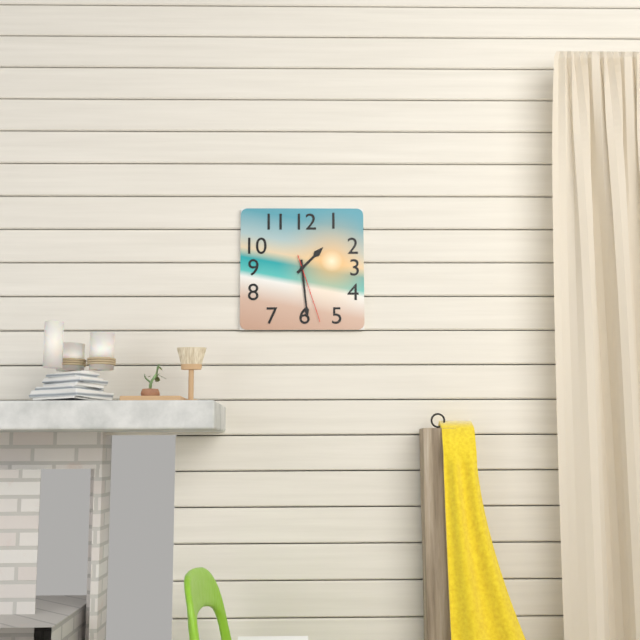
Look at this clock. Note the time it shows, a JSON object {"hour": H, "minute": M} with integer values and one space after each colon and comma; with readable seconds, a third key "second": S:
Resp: {"hour": 1, "minute": 29, "second": 27}
